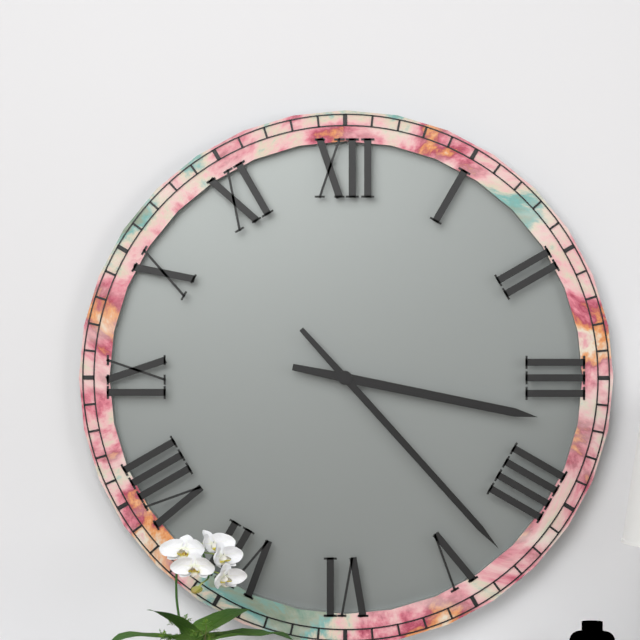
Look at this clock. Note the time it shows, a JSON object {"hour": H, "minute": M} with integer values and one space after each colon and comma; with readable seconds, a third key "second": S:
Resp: {"hour": 3, "minute": 23}
